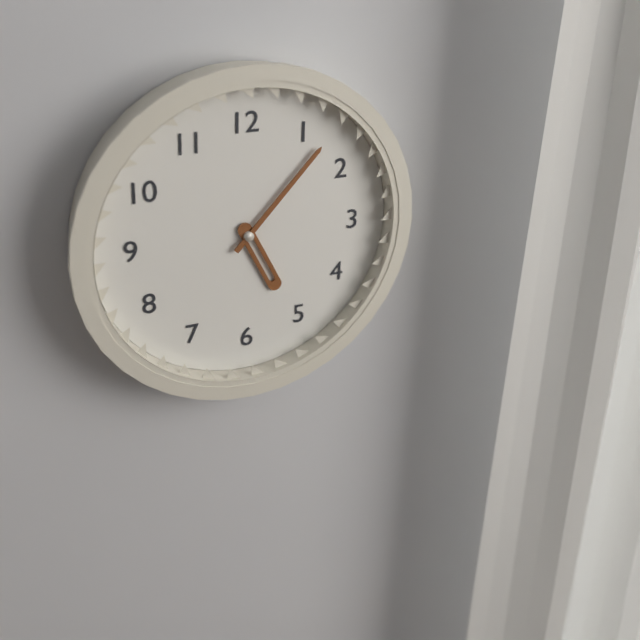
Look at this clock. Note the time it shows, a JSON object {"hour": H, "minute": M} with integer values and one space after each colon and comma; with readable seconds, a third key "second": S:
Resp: {"hour": 5, "minute": 7}
